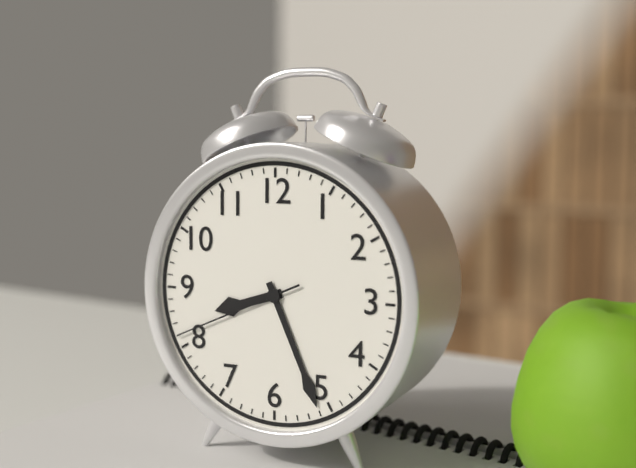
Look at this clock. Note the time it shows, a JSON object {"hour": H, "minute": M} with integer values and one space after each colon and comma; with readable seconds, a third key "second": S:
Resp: {"hour": 8, "minute": 26, "second": 41}
